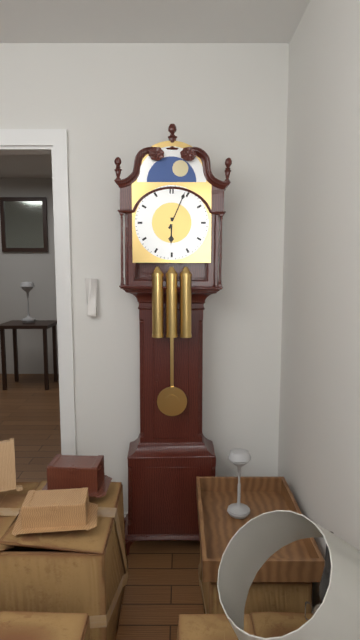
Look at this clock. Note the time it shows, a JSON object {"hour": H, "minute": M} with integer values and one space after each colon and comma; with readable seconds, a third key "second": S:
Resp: {"hour": 6, "minute": 4}
